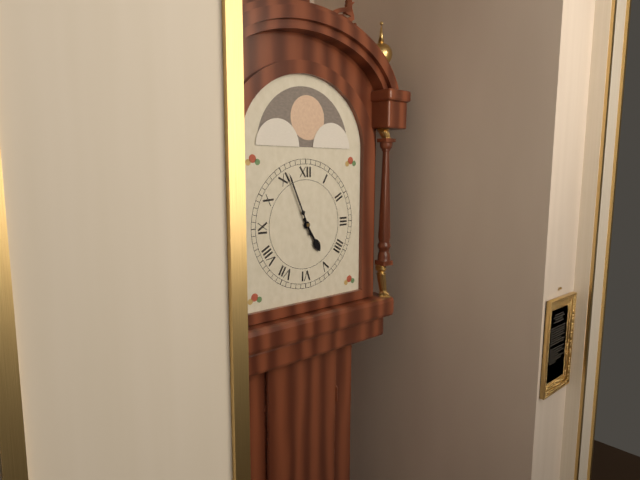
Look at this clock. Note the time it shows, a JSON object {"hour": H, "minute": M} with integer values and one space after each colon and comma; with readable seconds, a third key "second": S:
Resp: {"hour": 4, "minute": 56}
